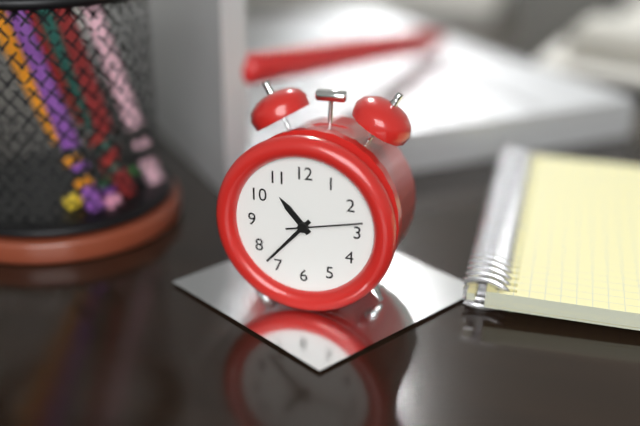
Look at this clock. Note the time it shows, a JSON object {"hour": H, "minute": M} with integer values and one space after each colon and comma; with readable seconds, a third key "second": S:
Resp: {"hour": 10, "minute": 37, "second": 13}
